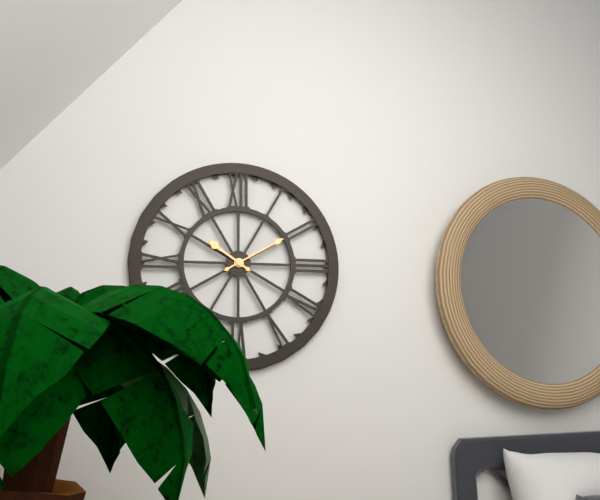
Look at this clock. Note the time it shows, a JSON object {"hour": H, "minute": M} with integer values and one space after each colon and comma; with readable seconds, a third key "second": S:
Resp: {"hour": 10, "minute": 10}
